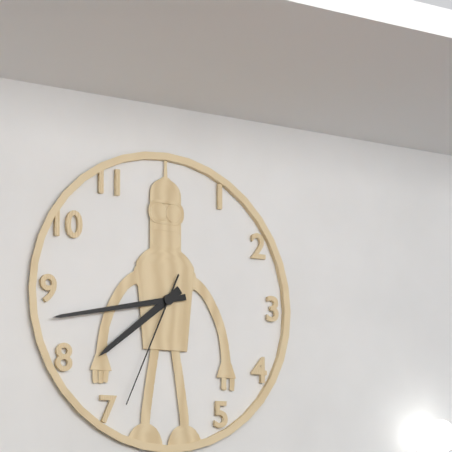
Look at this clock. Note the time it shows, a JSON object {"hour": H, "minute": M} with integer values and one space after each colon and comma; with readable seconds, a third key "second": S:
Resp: {"hour": 7, "minute": 43, "second": 34}
